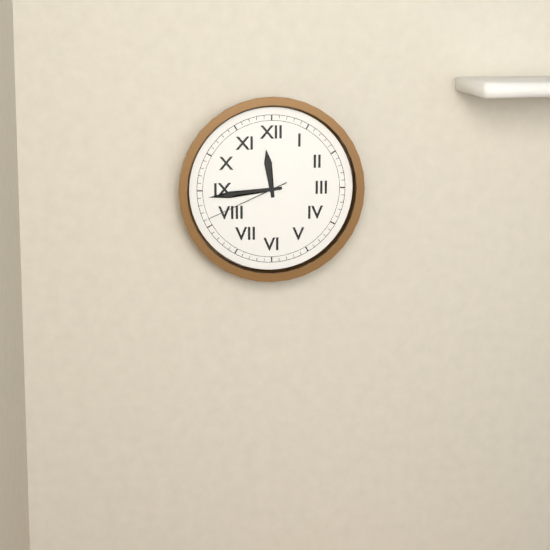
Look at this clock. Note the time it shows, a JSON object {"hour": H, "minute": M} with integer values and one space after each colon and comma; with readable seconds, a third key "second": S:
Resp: {"hour": 11, "minute": 44, "second": 41}
